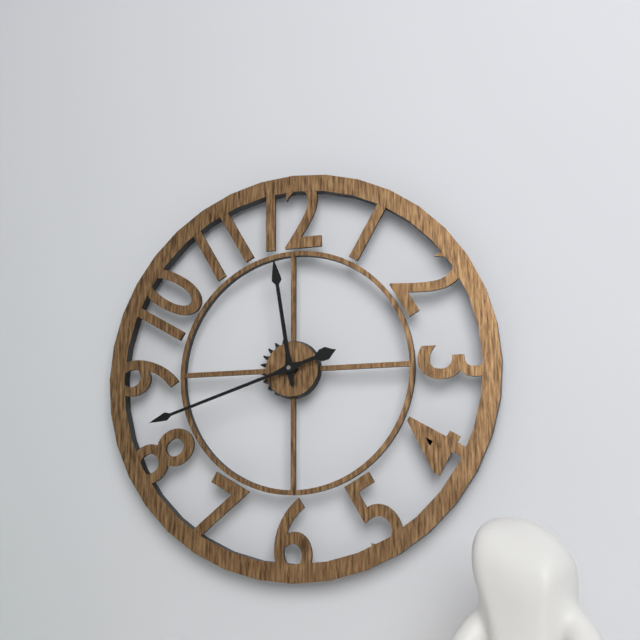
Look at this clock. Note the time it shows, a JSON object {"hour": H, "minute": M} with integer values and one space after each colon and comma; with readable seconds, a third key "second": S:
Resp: {"hour": 11, "minute": 42}
